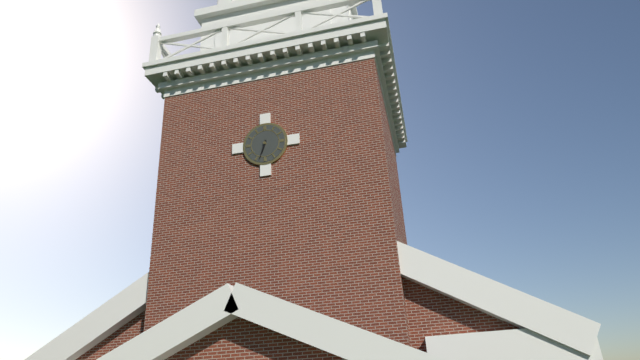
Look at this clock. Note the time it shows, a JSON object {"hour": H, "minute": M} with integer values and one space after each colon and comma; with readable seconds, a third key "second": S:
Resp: {"hour": 6, "minute": 33}
